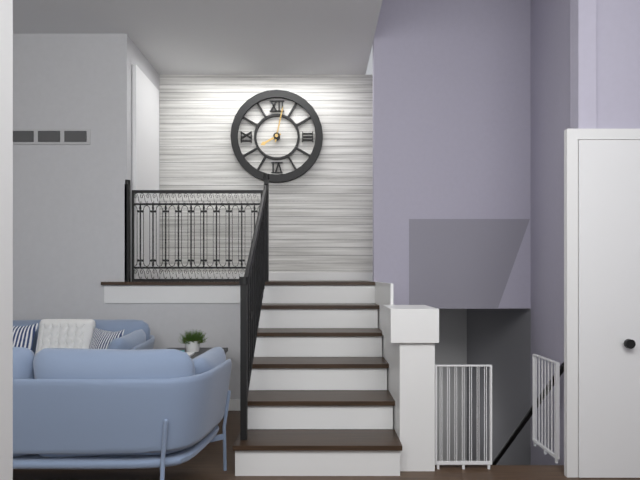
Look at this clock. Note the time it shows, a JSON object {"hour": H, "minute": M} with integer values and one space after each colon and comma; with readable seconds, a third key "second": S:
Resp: {"hour": 8, "minute": 2}
